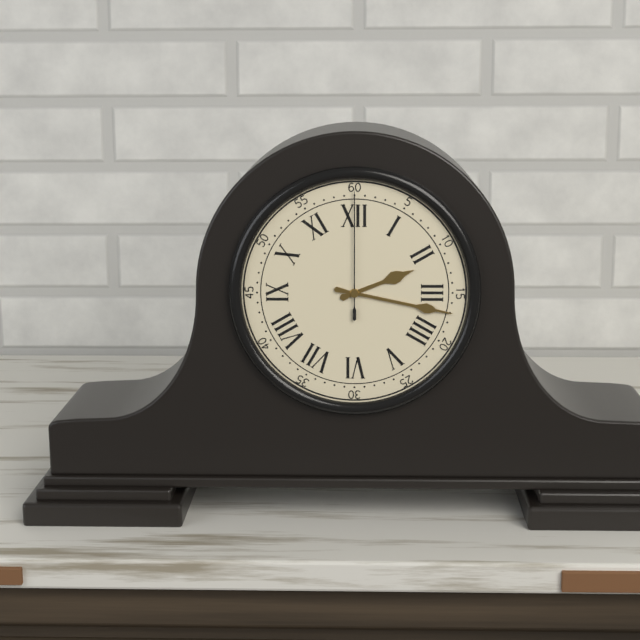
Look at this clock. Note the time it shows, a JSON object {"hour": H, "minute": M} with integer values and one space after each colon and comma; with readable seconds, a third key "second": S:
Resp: {"hour": 2, "minute": 17, "second": 0}
